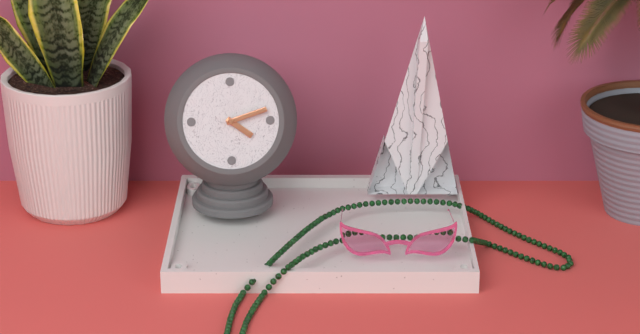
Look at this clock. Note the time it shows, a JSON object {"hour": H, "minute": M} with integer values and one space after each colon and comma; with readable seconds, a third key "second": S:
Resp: {"hour": 4, "minute": 12}
